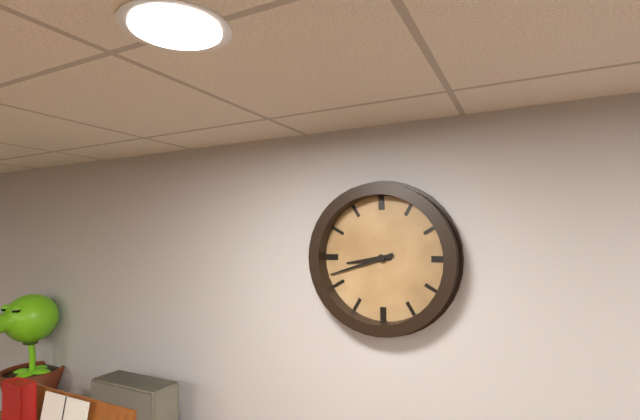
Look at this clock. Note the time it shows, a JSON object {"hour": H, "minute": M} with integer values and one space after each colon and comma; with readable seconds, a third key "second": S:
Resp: {"hour": 8, "minute": 42}
